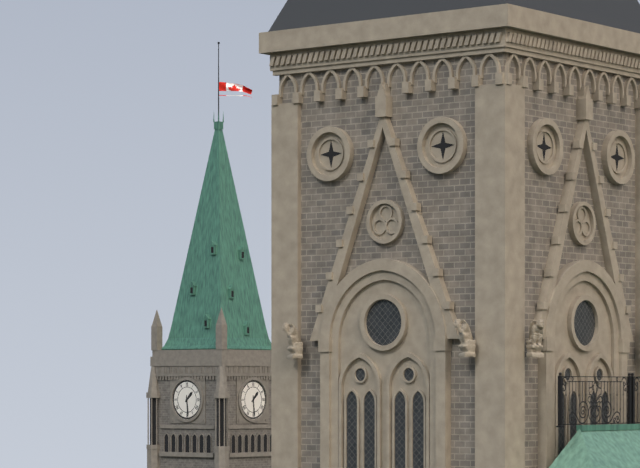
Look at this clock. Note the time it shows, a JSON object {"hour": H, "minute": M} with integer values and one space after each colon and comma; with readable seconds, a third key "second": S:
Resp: {"hour": 1, "minute": 29}
